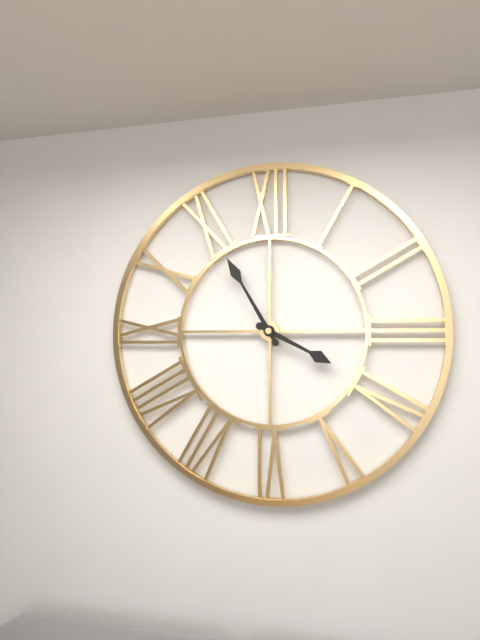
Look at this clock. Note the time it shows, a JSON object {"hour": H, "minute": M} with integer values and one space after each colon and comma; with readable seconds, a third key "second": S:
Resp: {"hour": 3, "minute": 55}
